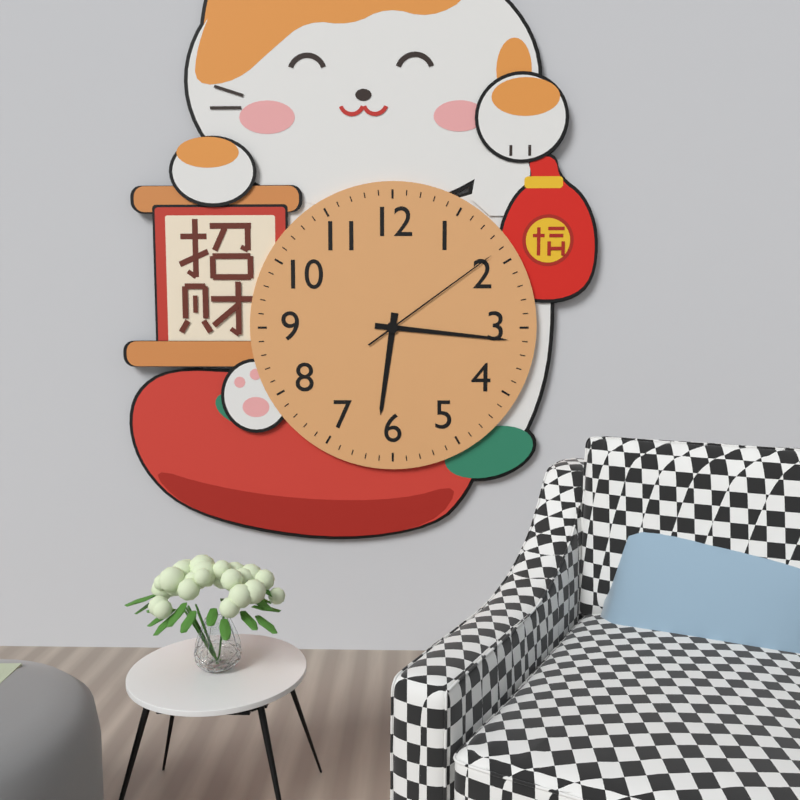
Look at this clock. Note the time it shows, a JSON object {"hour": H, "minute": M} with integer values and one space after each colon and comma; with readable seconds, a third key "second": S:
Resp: {"hour": 6, "minute": 16, "second": 9}
